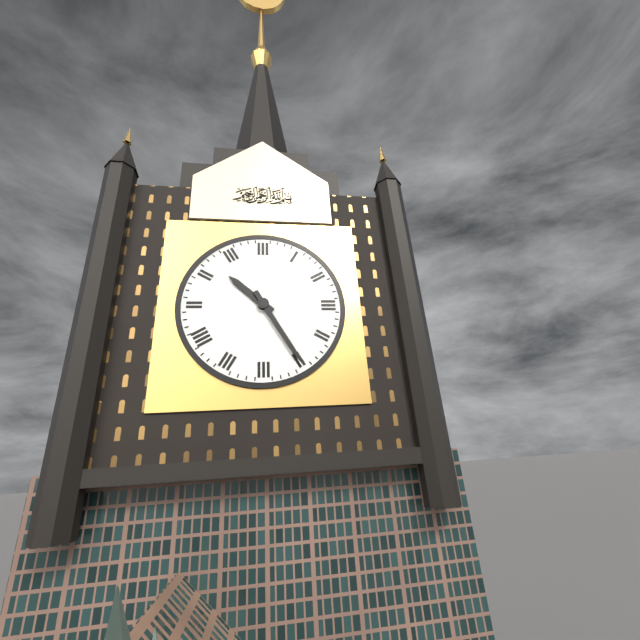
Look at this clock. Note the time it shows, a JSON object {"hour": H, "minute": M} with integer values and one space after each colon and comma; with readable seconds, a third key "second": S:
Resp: {"hour": 10, "minute": 25}
